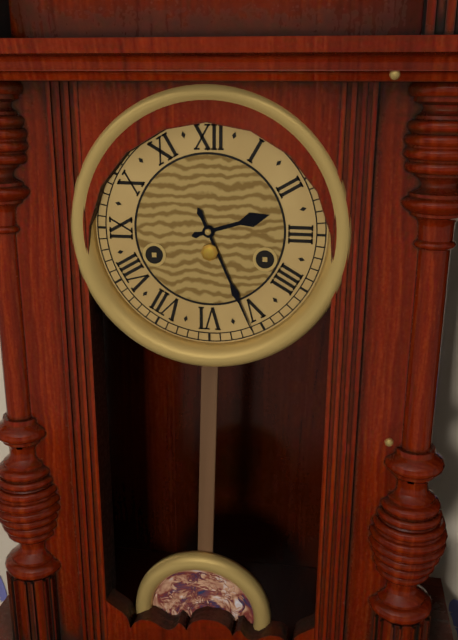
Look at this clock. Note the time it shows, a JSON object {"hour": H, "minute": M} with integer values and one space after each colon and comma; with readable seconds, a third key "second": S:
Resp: {"hour": 2, "minute": 26}
